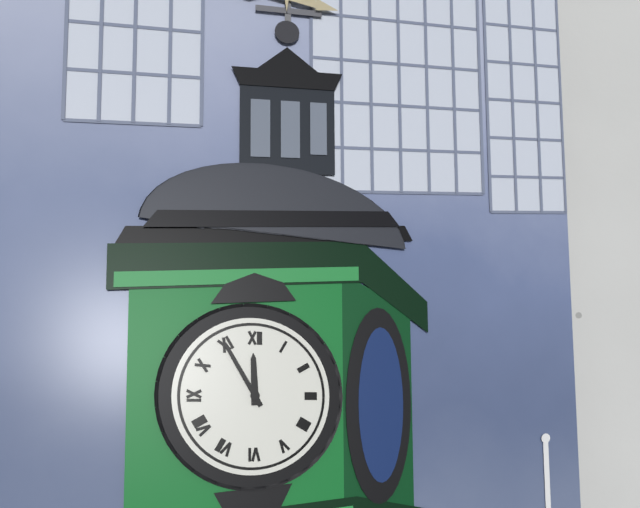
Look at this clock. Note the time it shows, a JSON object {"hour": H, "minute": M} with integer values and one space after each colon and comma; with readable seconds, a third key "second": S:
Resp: {"hour": 11, "minute": 55}
